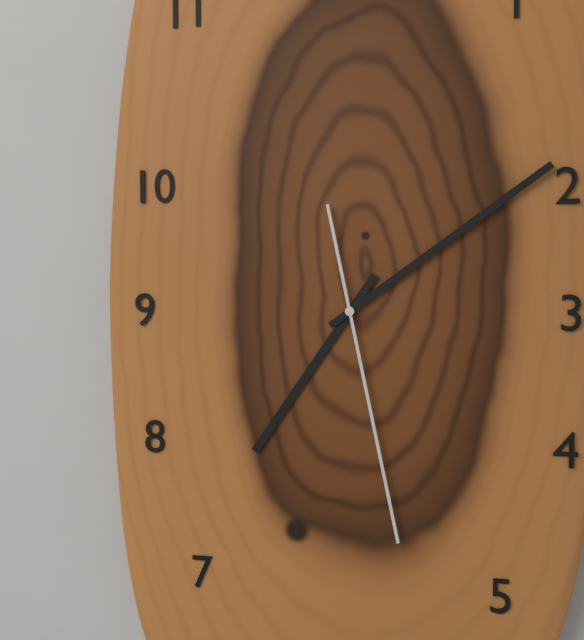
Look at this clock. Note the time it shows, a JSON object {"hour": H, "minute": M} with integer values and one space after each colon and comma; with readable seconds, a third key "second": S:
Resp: {"hour": 7, "minute": 9, "second": 28}
